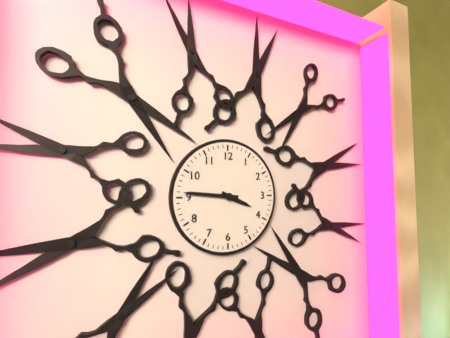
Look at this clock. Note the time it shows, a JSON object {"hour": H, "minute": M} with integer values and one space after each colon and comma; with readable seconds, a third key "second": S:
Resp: {"hour": 3, "minute": 46}
